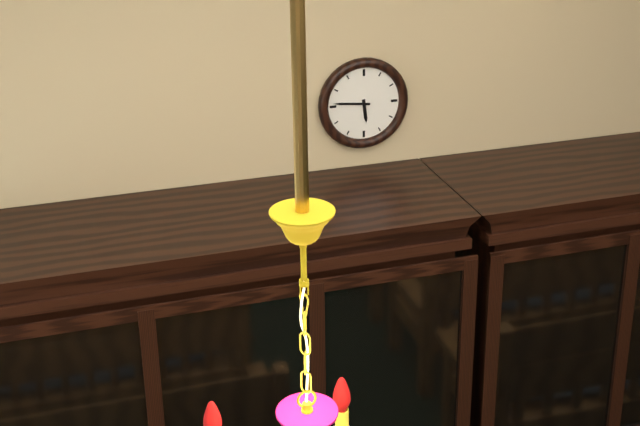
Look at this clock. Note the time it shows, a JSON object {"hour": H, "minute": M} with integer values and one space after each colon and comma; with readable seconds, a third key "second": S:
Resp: {"hour": 5, "minute": 46}
